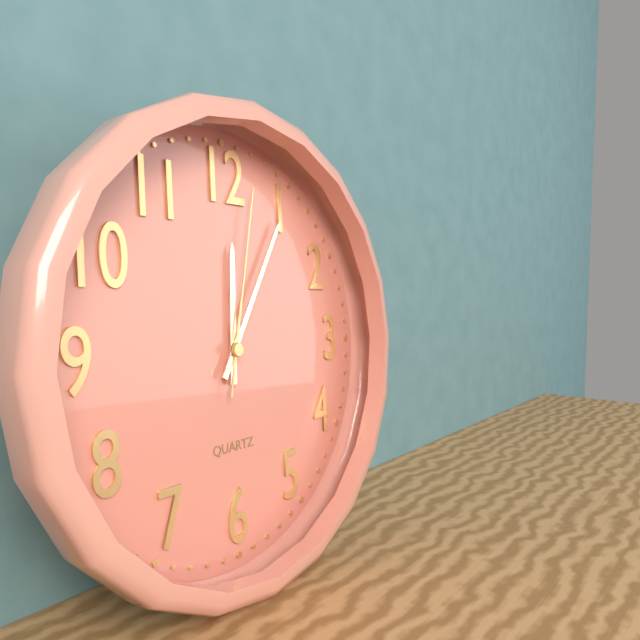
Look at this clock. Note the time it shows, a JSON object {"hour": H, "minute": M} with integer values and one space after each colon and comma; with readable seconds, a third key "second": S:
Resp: {"hour": 12, "minute": 5, "second": 2}
